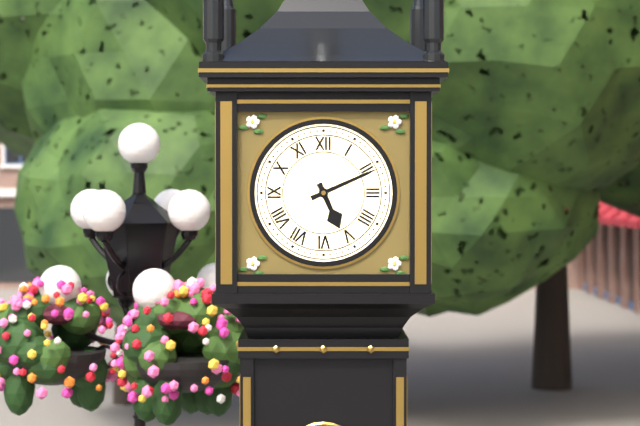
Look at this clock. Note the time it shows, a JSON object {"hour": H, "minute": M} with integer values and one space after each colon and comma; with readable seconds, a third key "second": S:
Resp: {"hour": 5, "minute": 11}
